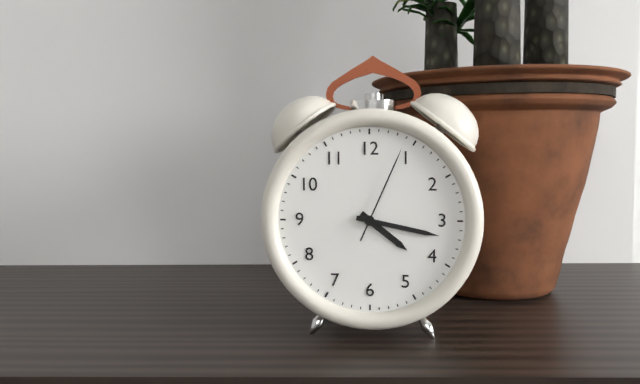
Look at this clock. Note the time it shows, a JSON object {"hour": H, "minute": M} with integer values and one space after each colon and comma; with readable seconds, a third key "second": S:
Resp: {"hour": 4, "minute": 17, "second": 4}
